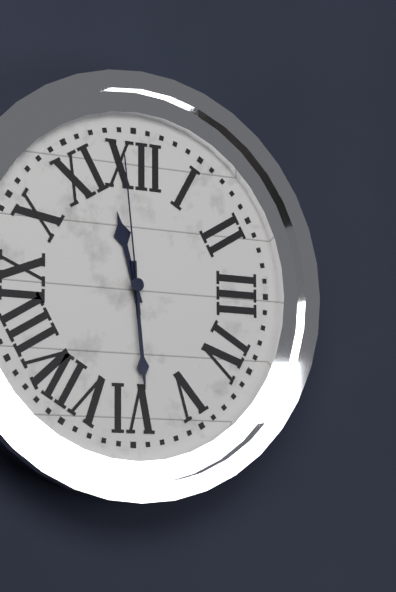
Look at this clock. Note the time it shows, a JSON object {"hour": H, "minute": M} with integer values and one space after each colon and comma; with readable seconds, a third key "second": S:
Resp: {"hour": 11, "minute": 29, "second": 59}
